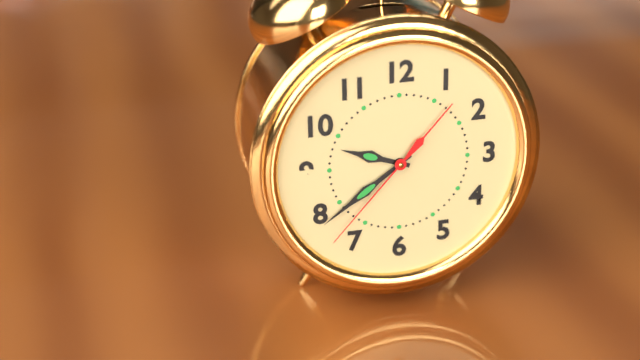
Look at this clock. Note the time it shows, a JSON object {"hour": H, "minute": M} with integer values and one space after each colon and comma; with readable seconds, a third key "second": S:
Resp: {"hour": 9, "minute": 39, "second": 37}
